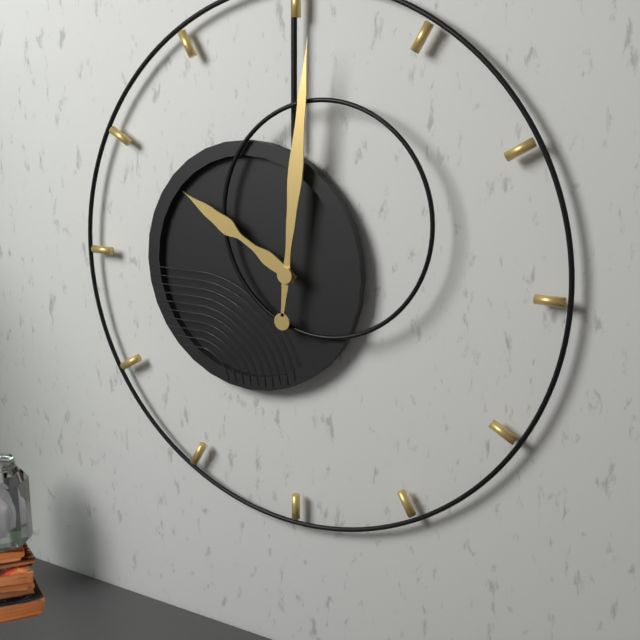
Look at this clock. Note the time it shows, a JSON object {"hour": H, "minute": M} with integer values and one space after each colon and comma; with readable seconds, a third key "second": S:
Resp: {"hour": 10, "minute": 1}
